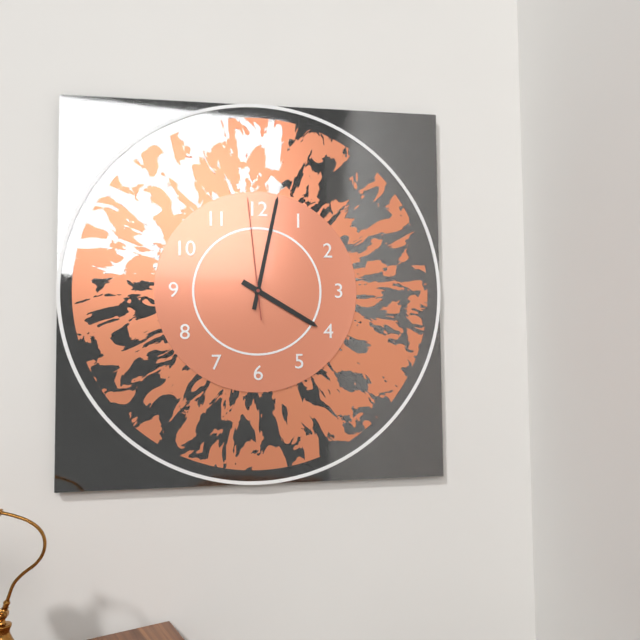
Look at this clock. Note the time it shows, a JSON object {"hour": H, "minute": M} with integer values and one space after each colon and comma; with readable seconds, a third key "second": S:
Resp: {"hour": 4, "minute": 2, "second": 59}
